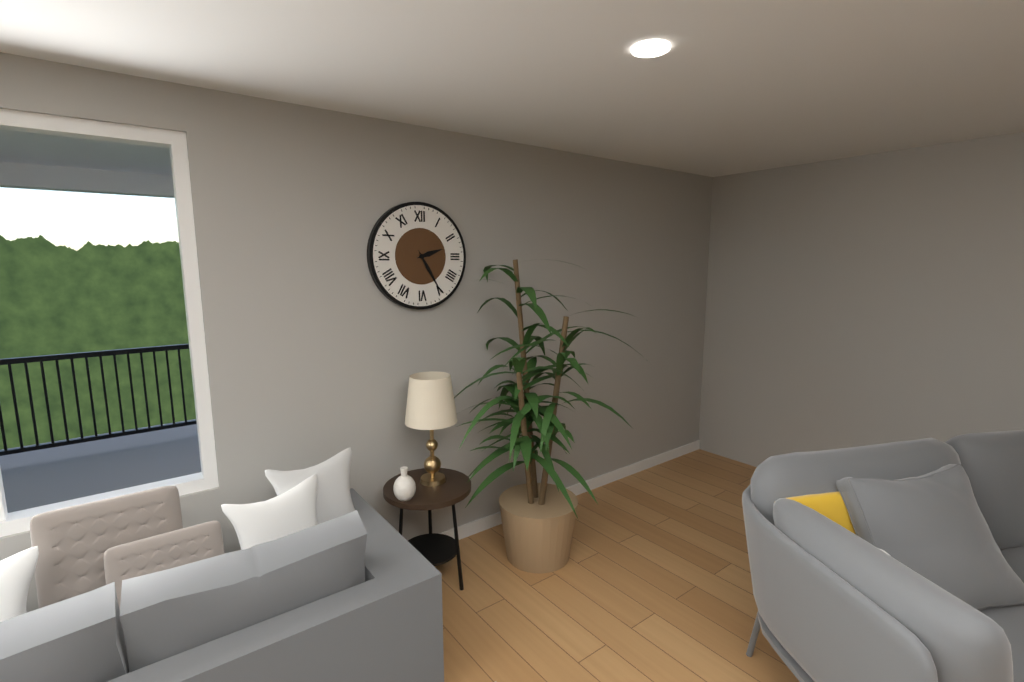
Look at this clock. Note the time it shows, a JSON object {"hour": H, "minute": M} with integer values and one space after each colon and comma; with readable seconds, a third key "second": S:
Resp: {"hour": 2, "minute": 25}
